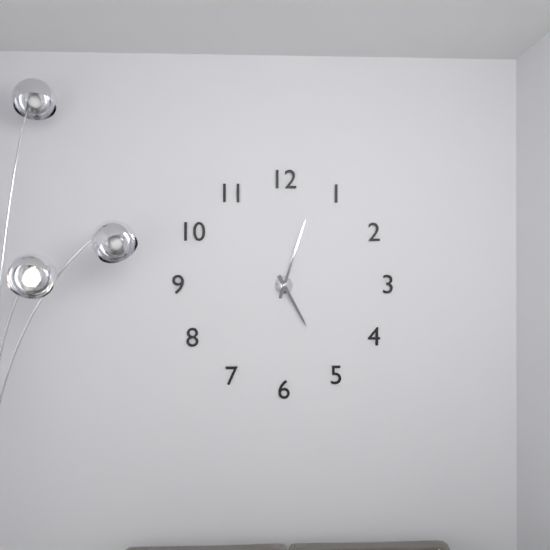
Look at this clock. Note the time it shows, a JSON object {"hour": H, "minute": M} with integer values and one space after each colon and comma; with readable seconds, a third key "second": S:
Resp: {"hour": 5, "minute": 3}
